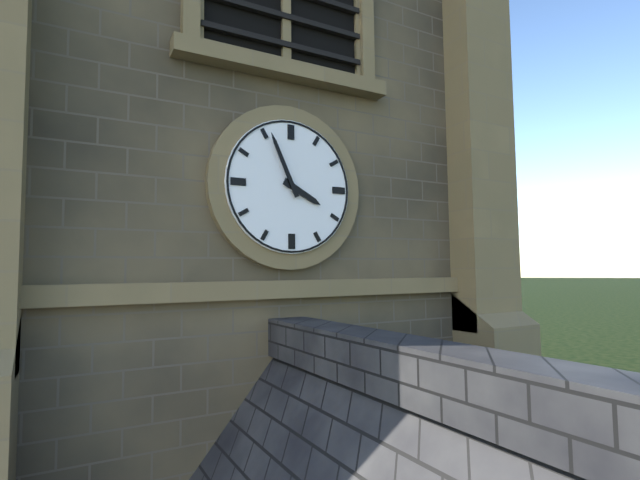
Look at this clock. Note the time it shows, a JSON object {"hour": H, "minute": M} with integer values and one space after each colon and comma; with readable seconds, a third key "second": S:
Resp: {"hour": 3, "minute": 56}
